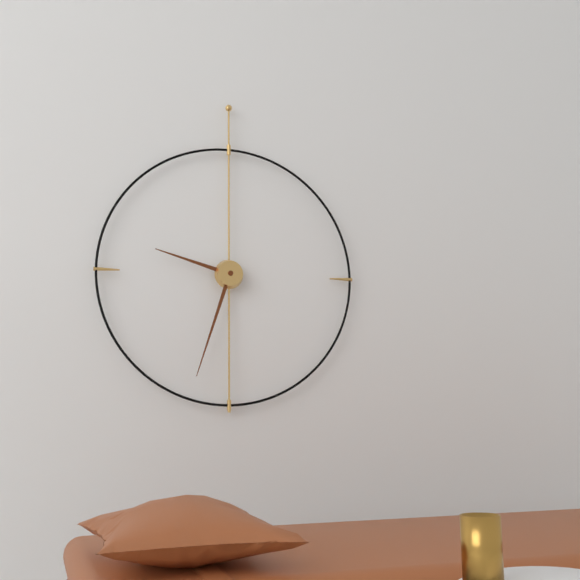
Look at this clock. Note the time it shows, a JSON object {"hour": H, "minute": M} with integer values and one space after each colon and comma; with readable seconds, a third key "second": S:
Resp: {"hour": 9, "minute": 33}
